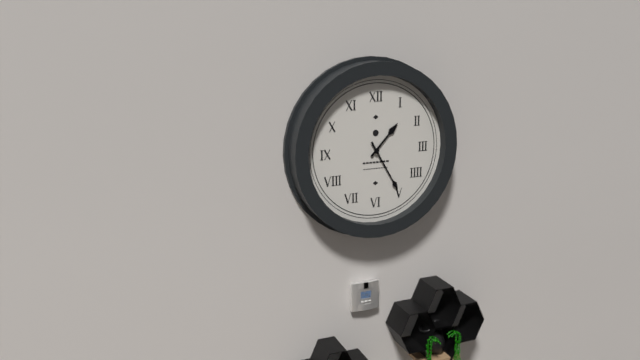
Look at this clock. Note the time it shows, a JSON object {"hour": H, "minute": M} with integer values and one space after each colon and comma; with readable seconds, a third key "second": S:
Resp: {"hour": 1, "minute": 25}
